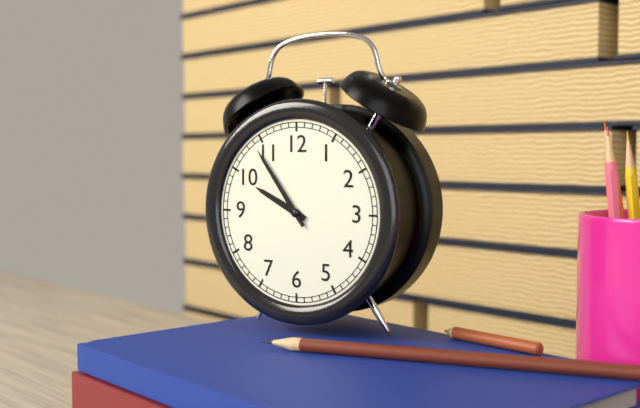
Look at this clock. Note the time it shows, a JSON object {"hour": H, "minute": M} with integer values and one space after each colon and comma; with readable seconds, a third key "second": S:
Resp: {"hour": 9, "minute": 54}
